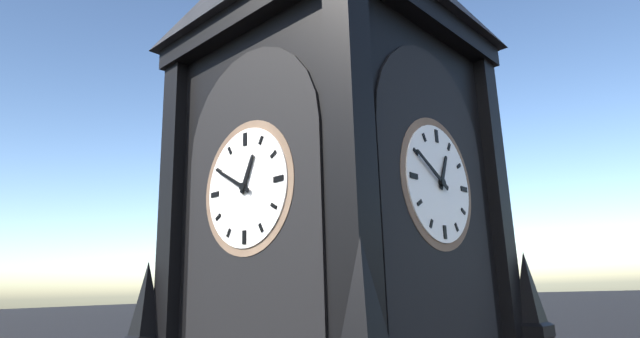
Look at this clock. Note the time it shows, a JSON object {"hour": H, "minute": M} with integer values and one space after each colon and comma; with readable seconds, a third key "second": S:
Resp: {"hour": 12, "minute": 50}
